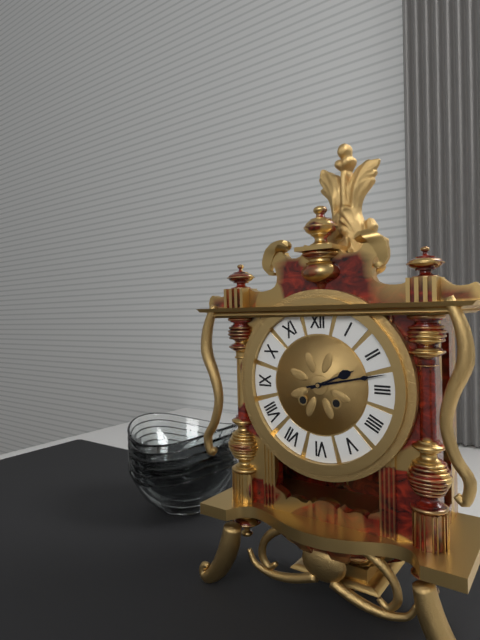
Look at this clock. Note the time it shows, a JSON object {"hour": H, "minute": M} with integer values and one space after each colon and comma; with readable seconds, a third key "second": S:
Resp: {"hour": 2, "minute": 13}
